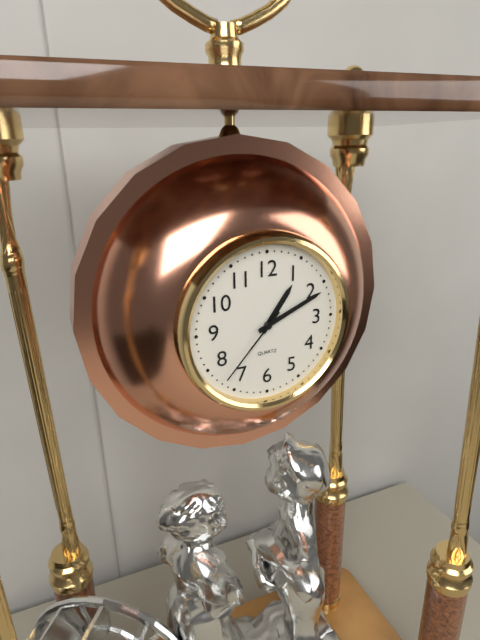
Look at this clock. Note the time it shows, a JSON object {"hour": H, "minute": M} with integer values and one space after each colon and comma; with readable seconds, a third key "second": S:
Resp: {"hour": 1, "minute": 11, "second": 37}
